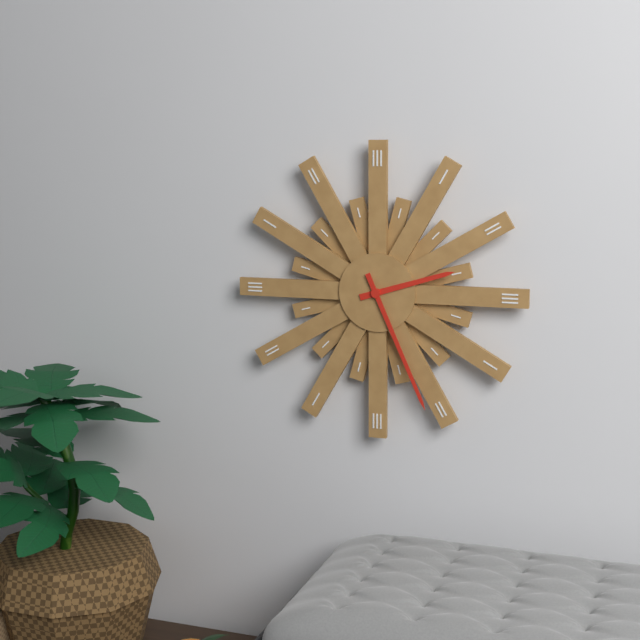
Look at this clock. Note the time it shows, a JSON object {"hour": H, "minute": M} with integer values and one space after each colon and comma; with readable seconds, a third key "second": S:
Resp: {"hour": 2, "minute": 26}
